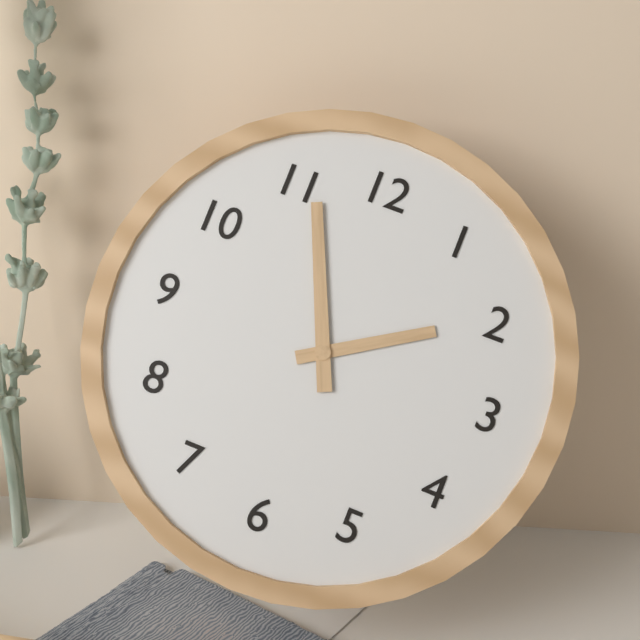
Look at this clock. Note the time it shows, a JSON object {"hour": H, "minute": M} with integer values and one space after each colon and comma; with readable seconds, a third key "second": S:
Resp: {"hour": 1, "minute": 56}
